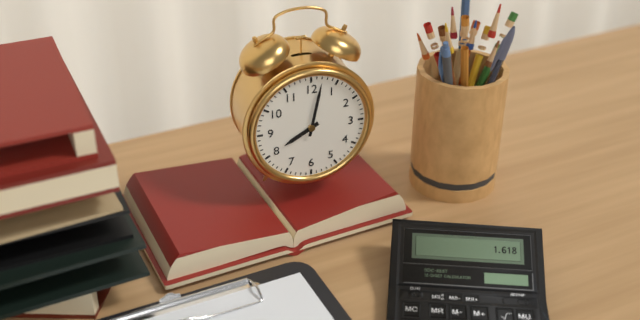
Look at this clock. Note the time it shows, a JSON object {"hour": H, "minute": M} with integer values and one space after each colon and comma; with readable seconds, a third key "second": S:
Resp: {"hour": 8, "minute": 2}
